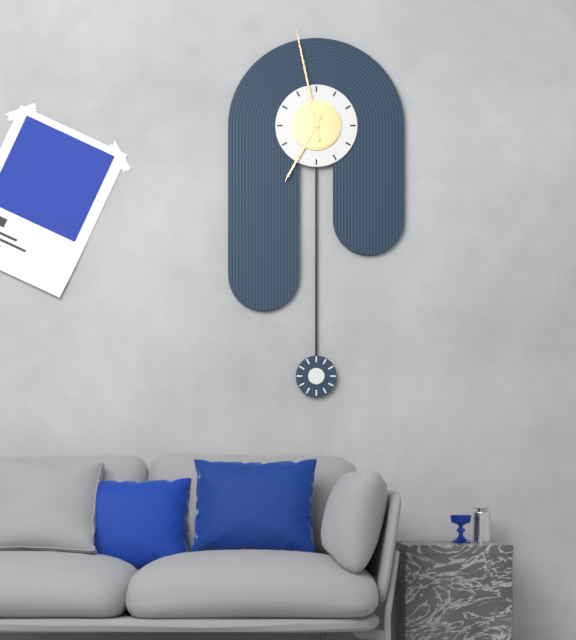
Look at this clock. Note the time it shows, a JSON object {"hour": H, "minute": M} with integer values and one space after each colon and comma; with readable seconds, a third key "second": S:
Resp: {"hour": 6, "minute": 58}
